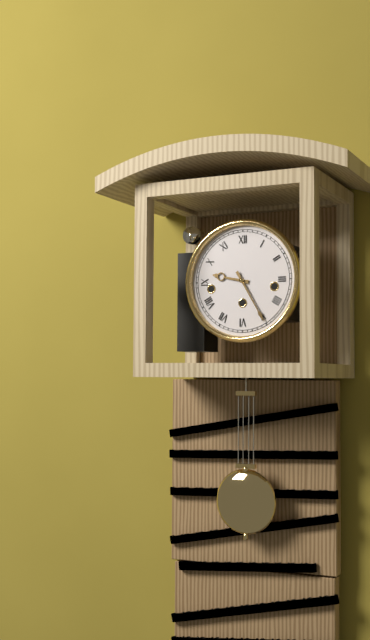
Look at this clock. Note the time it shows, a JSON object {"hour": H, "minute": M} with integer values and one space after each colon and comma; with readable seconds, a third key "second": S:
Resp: {"hour": 9, "minute": 25}
